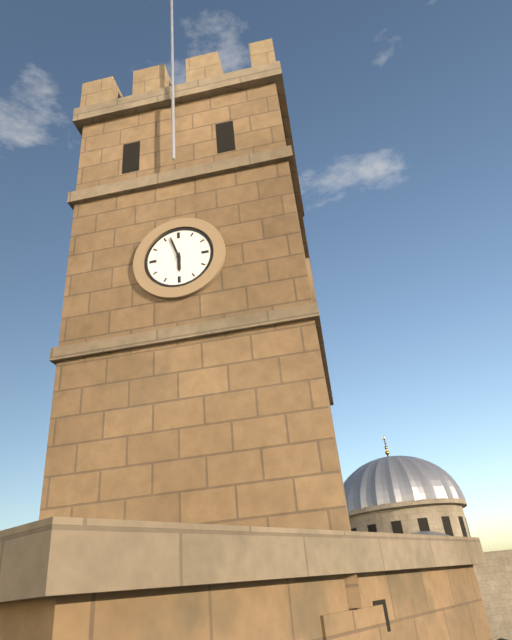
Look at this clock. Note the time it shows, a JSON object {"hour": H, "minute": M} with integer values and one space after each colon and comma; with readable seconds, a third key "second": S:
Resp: {"hour": 5, "minute": 57}
